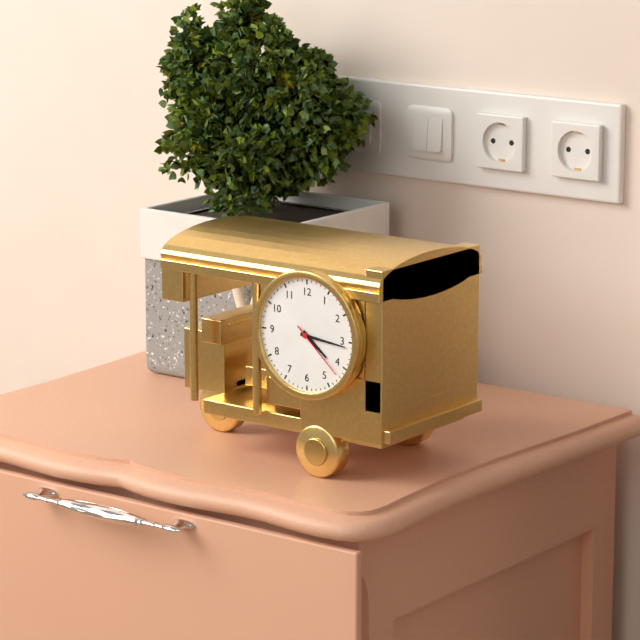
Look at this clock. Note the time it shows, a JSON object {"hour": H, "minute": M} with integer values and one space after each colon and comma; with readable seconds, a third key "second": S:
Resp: {"hour": 4, "minute": 16, "second": 22}
